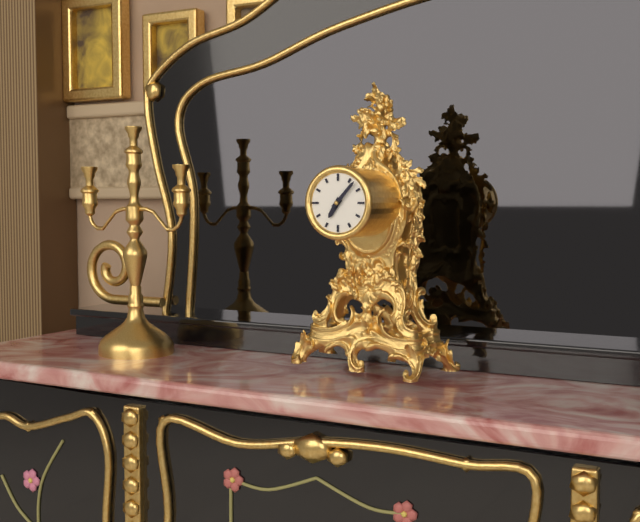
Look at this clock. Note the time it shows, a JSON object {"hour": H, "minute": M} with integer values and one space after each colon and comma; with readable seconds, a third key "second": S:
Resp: {"hour": 7, "minute": 7}
